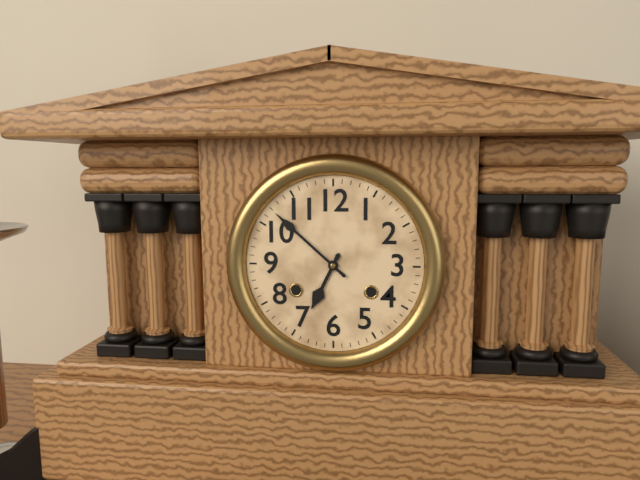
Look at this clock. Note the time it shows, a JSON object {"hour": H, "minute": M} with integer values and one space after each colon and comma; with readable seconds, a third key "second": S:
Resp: {"hour": 6, "minute": 52}
